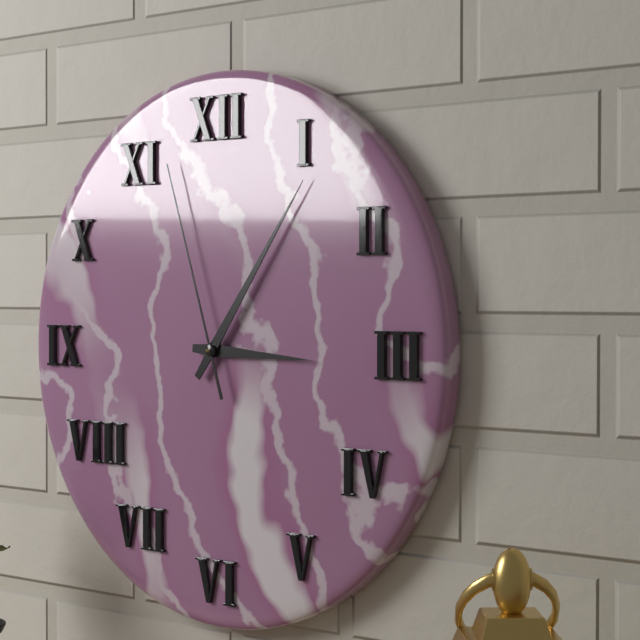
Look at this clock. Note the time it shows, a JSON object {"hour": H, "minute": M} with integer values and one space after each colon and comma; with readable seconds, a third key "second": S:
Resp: {"hour": 3, "minute": 6, "second": 57}
